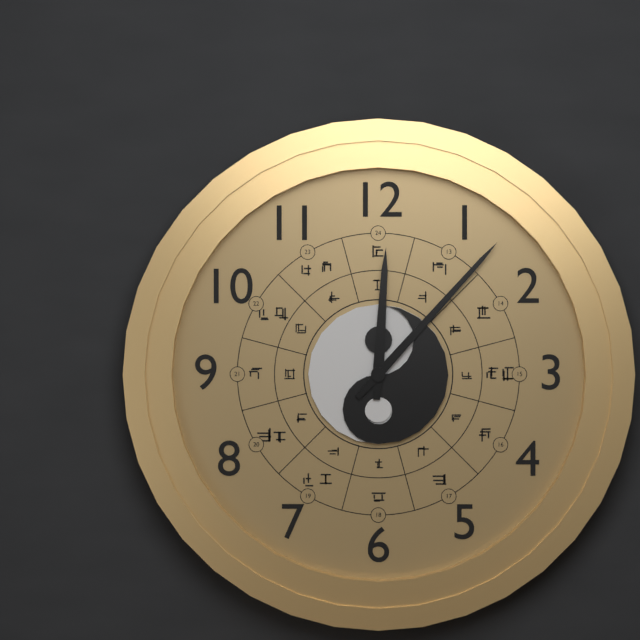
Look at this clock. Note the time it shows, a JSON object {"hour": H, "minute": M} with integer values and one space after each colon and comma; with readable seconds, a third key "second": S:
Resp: {"hour": 12, "minute": 7}
